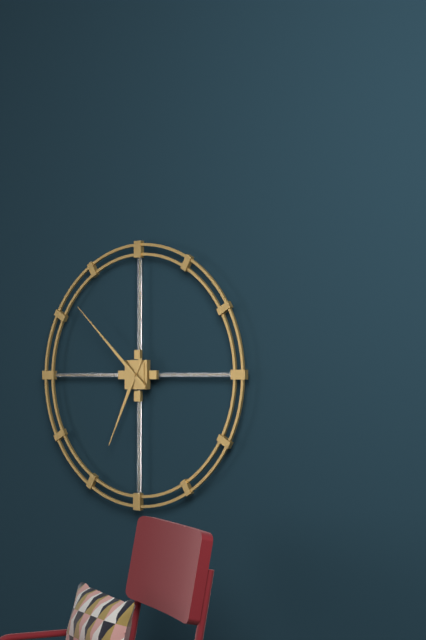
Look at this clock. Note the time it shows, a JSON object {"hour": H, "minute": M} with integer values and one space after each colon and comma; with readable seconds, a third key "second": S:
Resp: {"hour": 6, "minute": 52}
